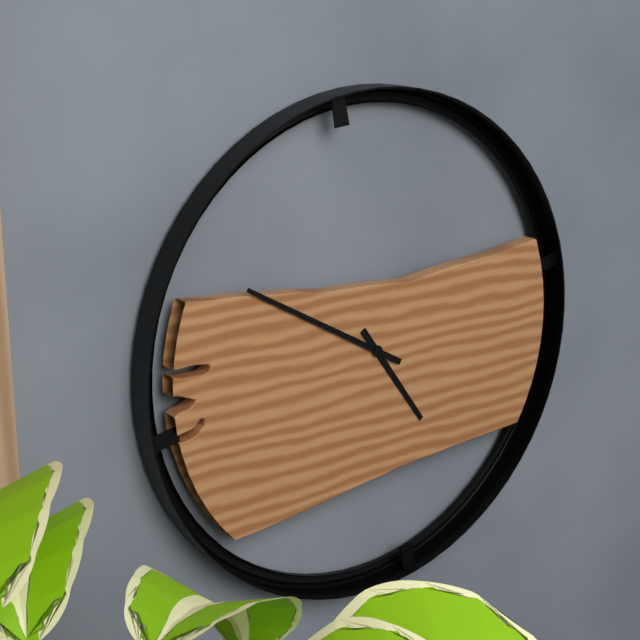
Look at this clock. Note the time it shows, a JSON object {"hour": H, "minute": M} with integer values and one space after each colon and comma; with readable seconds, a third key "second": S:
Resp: {"hour": 4, "minute": 50}
